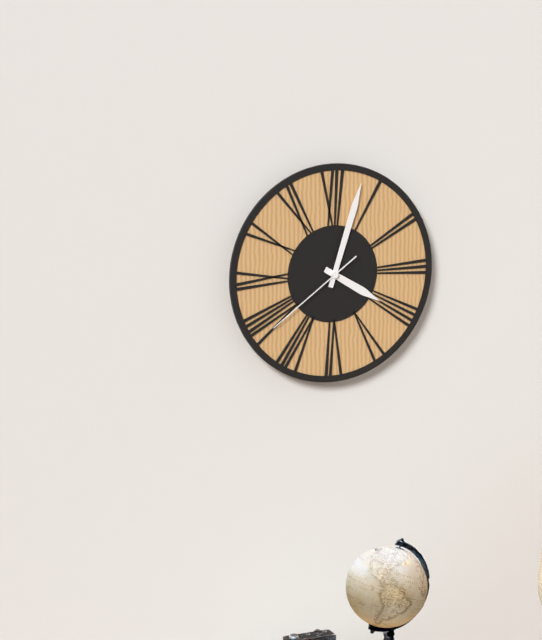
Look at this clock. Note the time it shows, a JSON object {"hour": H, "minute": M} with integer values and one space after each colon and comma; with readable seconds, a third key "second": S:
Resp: {"hour": 4, "minute": 3, "second": 39}
